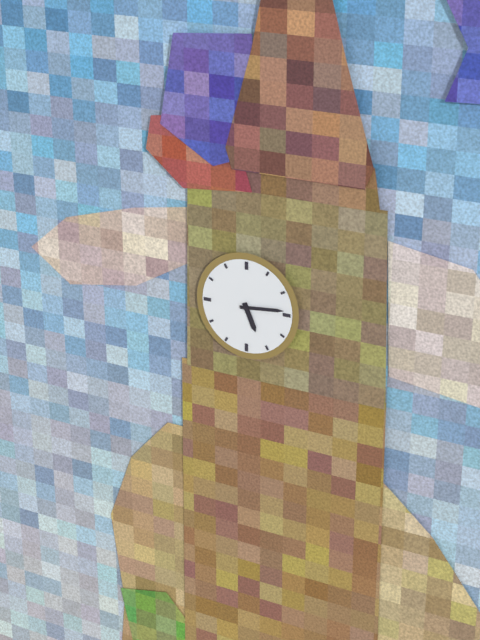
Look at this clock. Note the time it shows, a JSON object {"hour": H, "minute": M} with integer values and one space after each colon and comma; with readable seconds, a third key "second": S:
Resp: {"hour": 5, "minute": 14}
